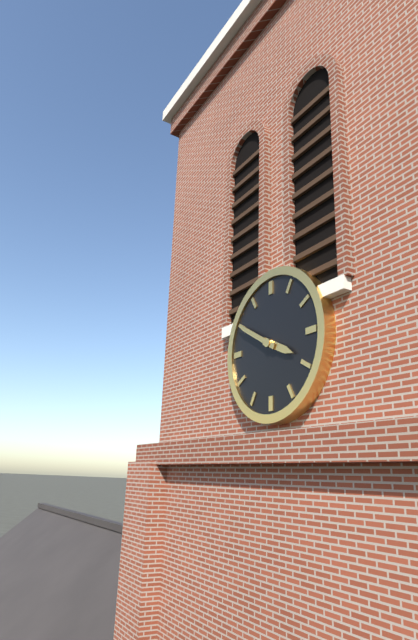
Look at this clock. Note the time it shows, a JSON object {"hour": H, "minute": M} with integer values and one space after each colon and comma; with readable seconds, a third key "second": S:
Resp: {"hour": 3, "minute": 50}
